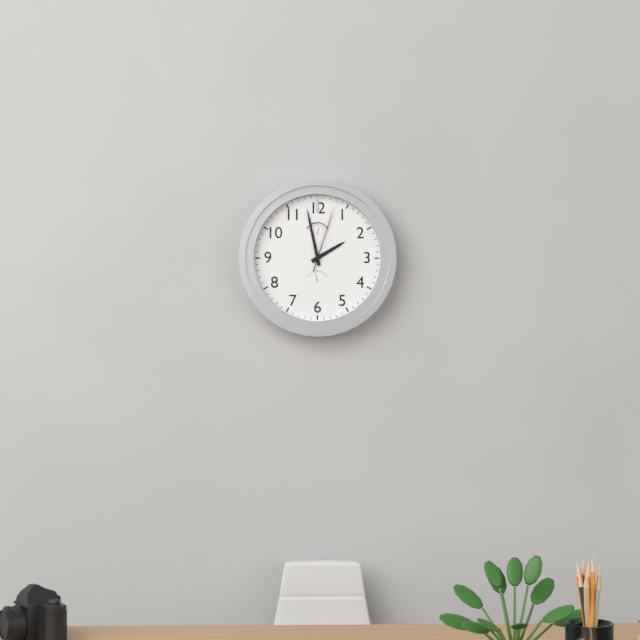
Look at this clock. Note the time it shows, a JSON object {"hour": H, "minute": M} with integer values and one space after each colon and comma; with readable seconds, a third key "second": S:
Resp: {"hour": 1, "minute": 58, "second": 3}
